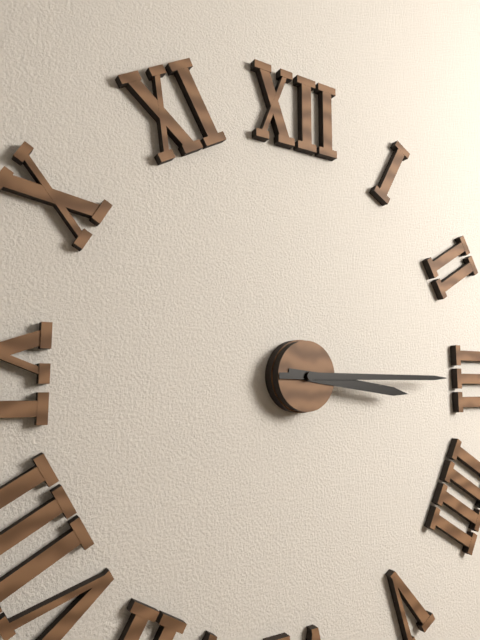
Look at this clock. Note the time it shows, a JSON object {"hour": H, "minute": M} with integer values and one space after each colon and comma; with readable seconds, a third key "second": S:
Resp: {"hour": 3, "minute": 15}
